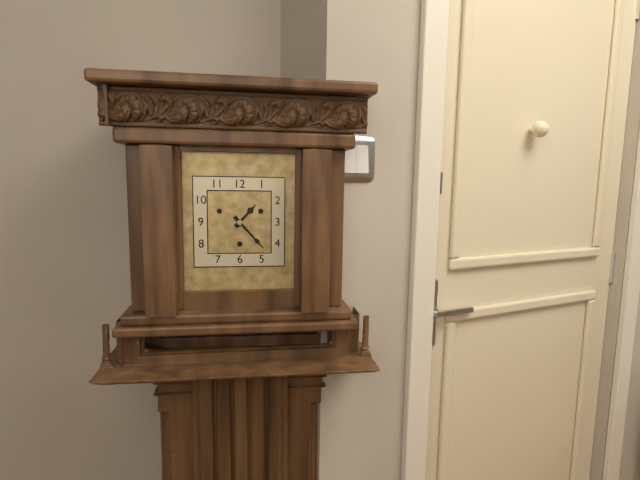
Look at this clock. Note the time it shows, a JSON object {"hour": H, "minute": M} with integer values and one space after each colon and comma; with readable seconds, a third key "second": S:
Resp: {"hour": 1, "minute": 23}
